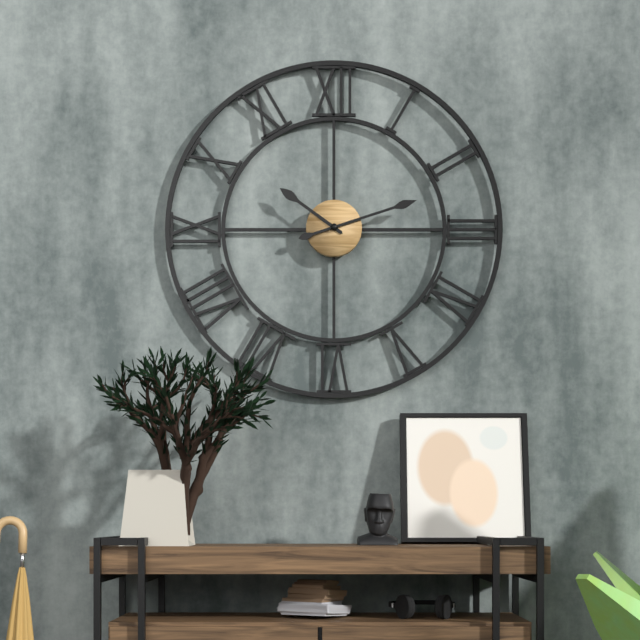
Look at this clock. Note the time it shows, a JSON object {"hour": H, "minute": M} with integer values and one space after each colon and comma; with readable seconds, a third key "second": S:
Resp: {"hour": 10, "minute": 12}
